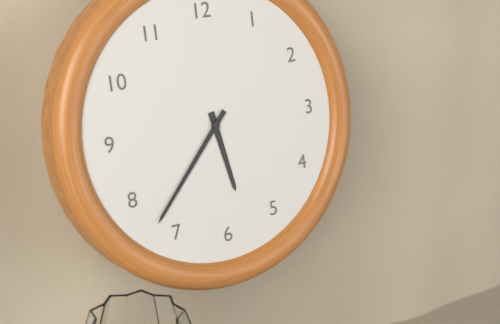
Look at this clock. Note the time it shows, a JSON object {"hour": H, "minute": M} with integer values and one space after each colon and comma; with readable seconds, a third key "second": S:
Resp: {"hour": 5, "minute": 37}
